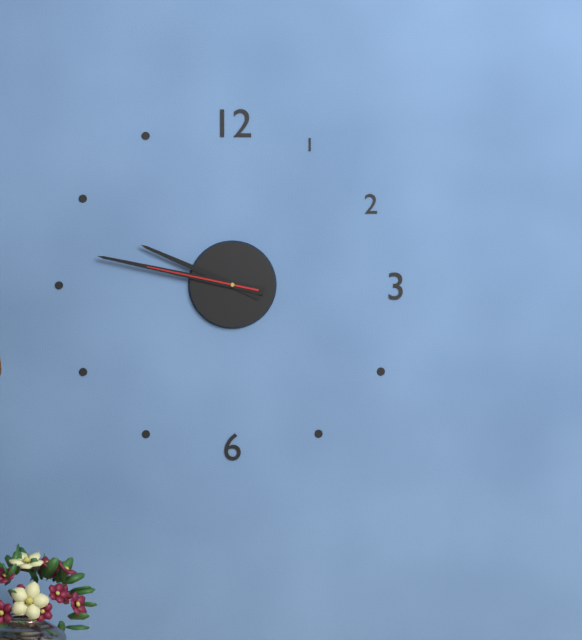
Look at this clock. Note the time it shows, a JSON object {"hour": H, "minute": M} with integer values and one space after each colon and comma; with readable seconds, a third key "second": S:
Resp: {"hour": 9, "minute": 47, "second": 47}
